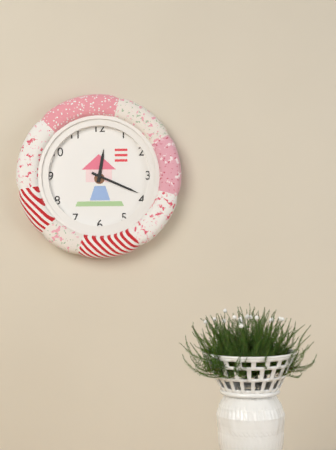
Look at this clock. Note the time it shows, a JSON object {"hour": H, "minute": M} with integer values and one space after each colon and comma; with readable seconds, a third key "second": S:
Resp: {"hour": 12, "minute": 19}
